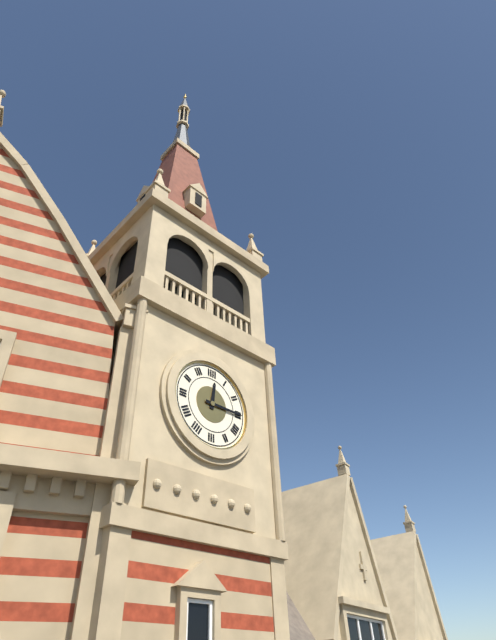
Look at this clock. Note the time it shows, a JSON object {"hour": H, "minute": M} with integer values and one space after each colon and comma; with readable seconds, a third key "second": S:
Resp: {"hour": 12, "minute": 15}
